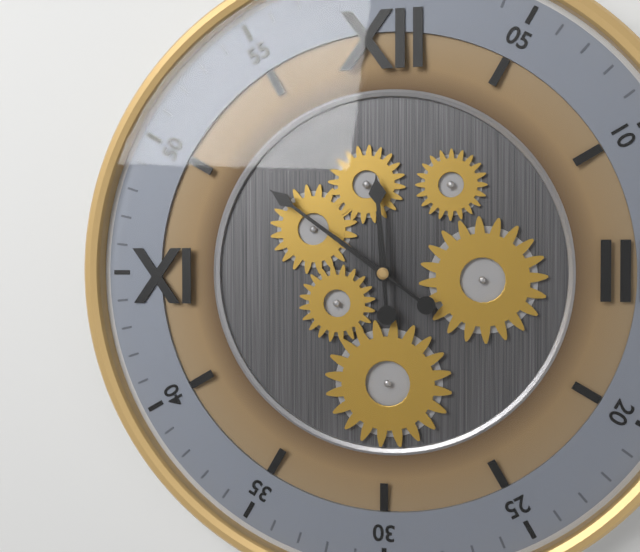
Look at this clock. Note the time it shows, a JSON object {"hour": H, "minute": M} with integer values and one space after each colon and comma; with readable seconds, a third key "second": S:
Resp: {"hour": 11, "minute": 51}
